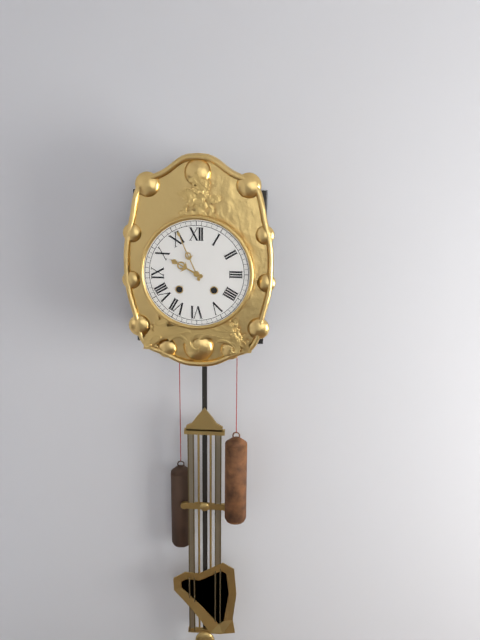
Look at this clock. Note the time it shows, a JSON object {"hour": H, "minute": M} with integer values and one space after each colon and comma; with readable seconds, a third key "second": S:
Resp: {"hour": 9, "minute": 56}
